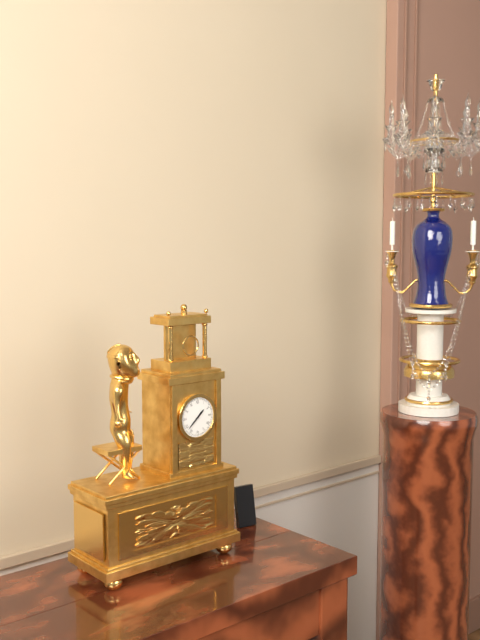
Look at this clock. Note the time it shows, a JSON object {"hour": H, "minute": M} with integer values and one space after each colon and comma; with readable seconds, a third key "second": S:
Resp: {"hour": 1, "minute": 38}
